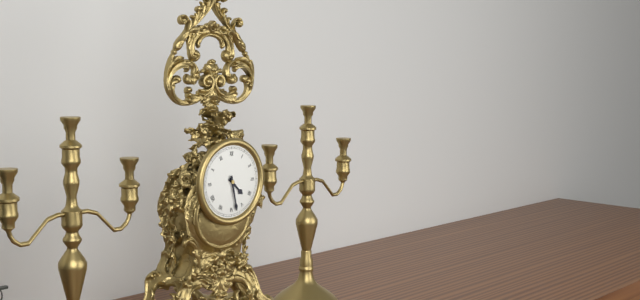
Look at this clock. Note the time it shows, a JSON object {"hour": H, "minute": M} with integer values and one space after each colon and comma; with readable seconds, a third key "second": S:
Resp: {"hour": 4, "minute": 28}
